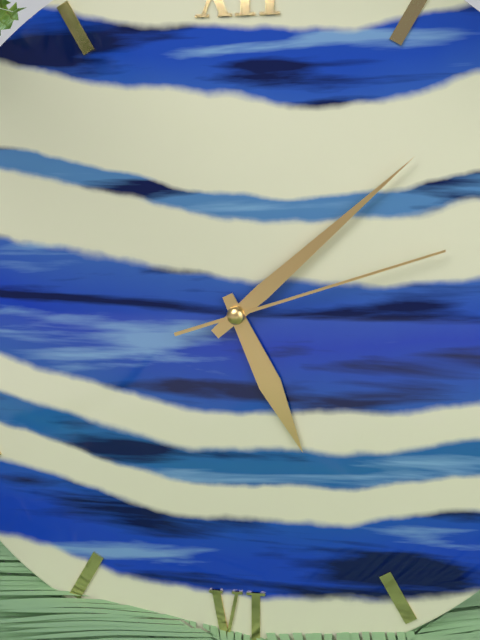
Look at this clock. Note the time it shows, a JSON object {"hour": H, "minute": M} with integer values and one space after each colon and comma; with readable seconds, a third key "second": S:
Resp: {"hour": 5, "minute": 8, "second": 12}
